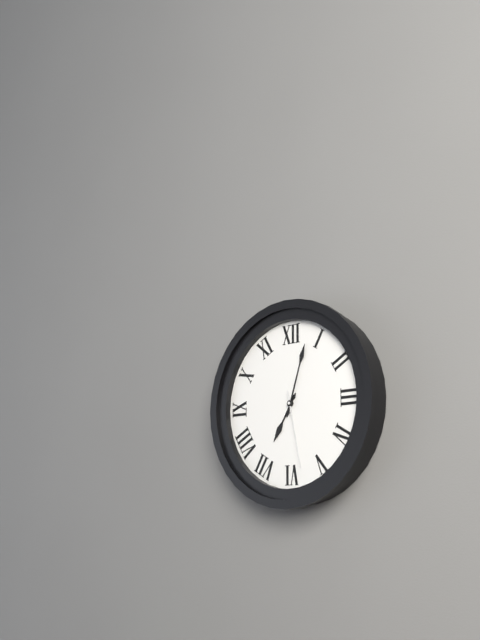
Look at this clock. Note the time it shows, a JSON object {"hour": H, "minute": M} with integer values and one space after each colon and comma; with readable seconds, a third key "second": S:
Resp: {"hour": 7, "minute": 3, "second": 28}
